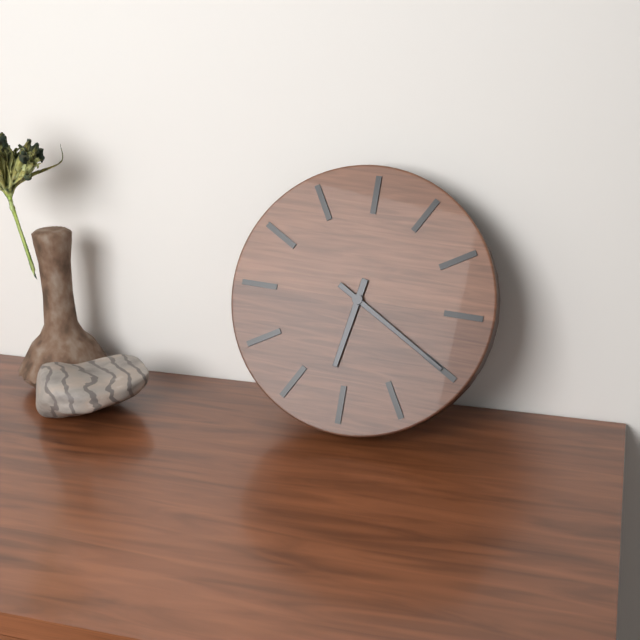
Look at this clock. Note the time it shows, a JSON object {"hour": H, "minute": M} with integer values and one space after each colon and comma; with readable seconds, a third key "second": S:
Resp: {"hour": 6, "minute": 20}
